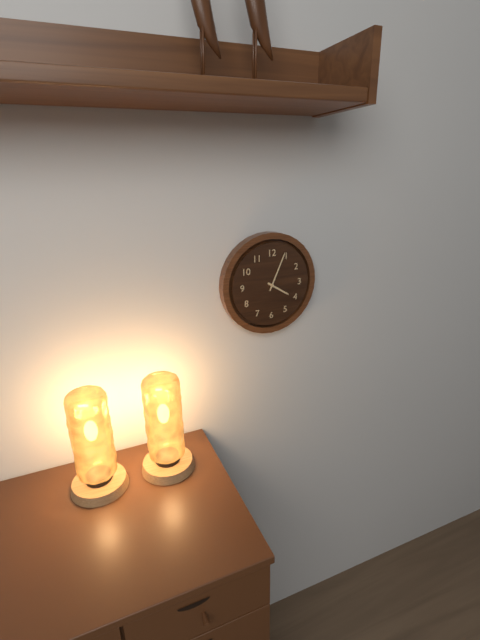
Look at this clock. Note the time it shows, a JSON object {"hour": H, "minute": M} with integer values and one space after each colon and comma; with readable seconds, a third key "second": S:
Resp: {"hour": 4, "minute": 4}
